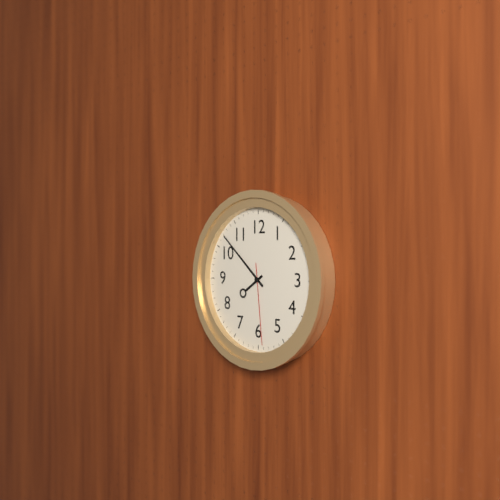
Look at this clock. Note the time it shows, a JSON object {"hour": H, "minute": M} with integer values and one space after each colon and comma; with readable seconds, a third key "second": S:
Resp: {"hour": 7, "minute": 52, "second": 29}
